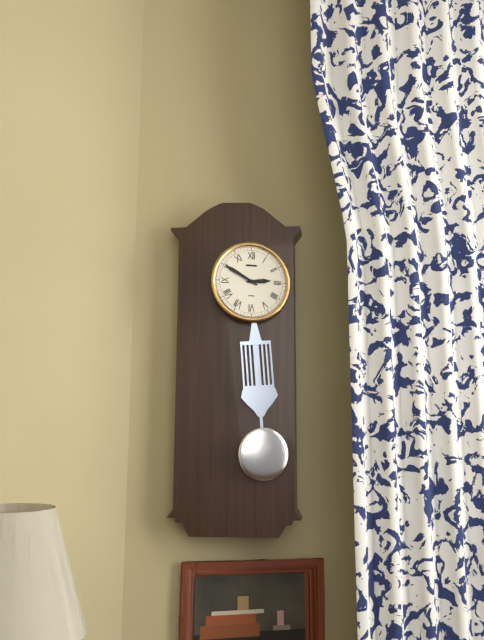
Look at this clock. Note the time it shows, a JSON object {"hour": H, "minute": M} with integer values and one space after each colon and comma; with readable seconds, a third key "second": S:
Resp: {"hour": 2, "minute": 50}
